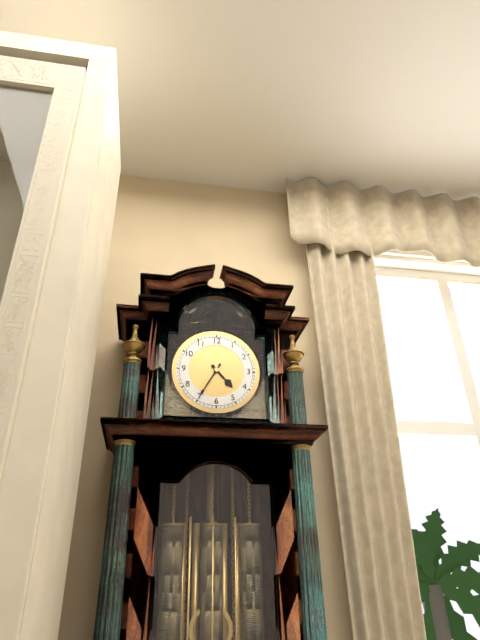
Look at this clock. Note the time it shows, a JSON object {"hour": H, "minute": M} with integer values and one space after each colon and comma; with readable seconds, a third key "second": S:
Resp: {"hour": 4, "minute": 35}
